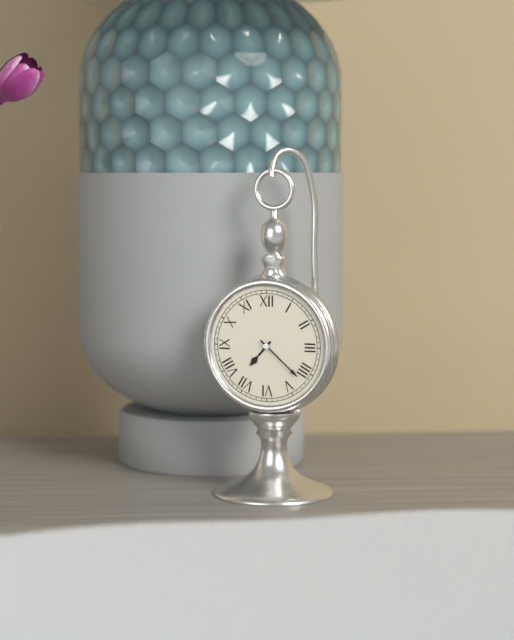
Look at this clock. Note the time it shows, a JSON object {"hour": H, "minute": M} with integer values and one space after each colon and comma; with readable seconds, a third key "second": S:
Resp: {"hour": 7, "minute": 22}
